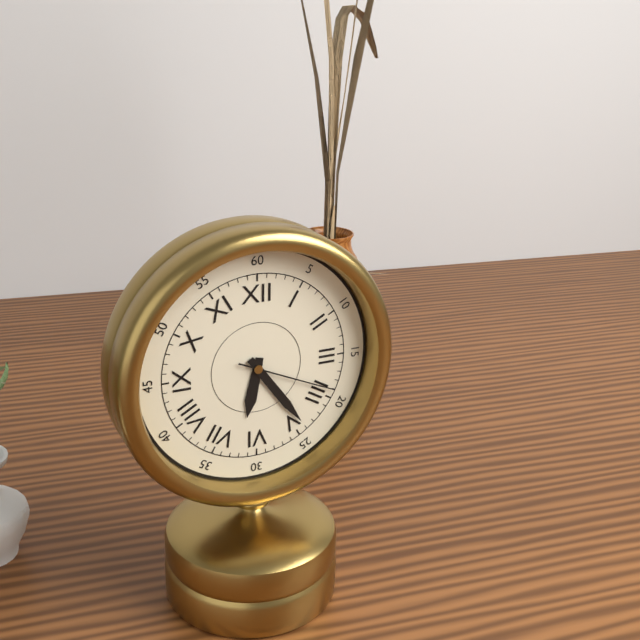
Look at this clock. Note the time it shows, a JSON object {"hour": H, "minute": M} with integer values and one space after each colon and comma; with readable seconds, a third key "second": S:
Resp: {"hour": 6, "minute": 24, "second": 19}
